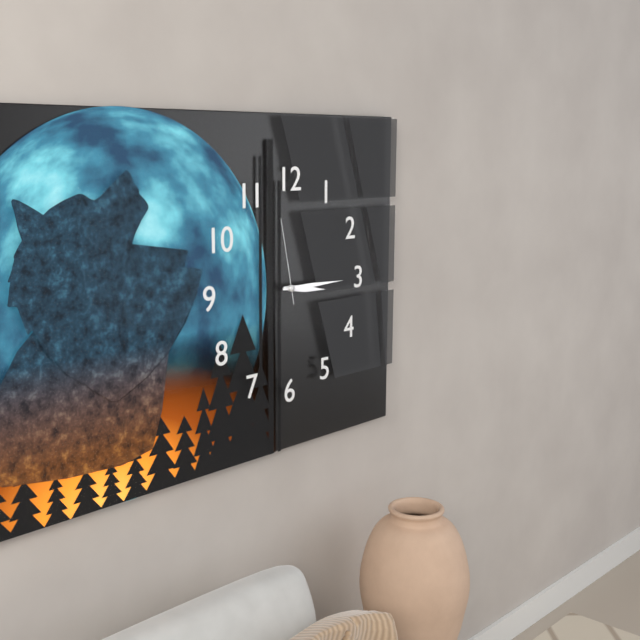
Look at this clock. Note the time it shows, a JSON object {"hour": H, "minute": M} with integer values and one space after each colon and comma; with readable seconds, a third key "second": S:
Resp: {"hour": 3, "minute": 15, "second": 58}
